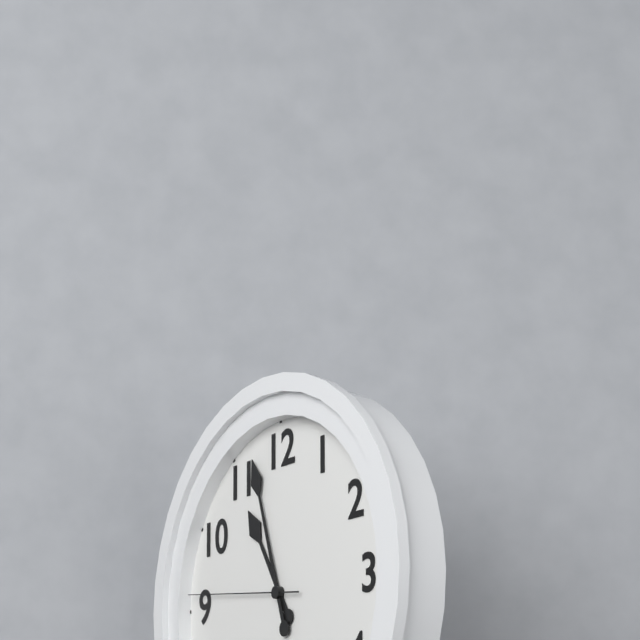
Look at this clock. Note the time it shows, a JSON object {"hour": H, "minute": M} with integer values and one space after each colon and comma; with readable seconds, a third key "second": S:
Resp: {"hour": 10, "minute": 57, "second": 46}
